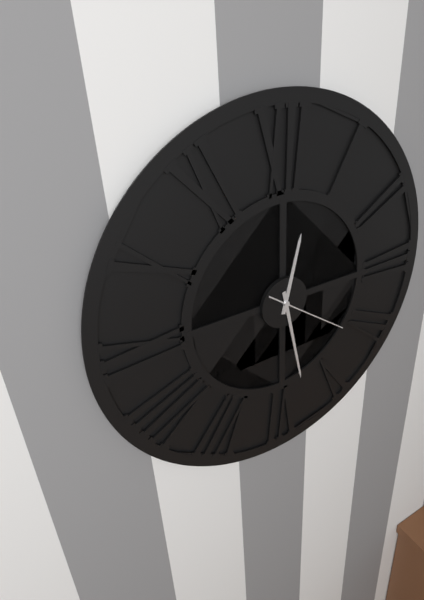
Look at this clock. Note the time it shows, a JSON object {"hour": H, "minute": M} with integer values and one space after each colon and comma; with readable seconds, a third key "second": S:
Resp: {"hour": 12, "minute": 28, "second": 21}
